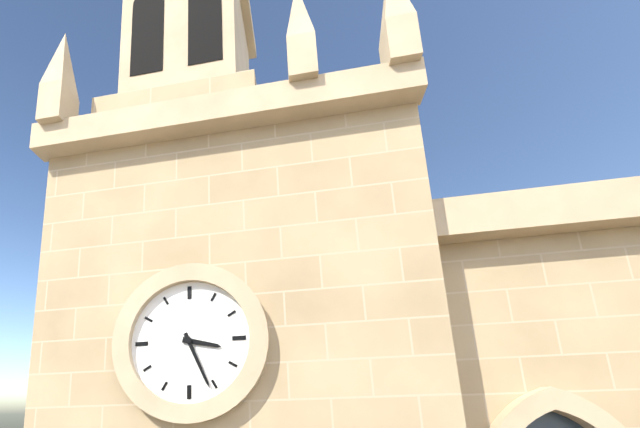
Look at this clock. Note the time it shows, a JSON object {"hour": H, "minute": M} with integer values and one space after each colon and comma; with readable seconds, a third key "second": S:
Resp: {"hour": 3, "minute": 26}
